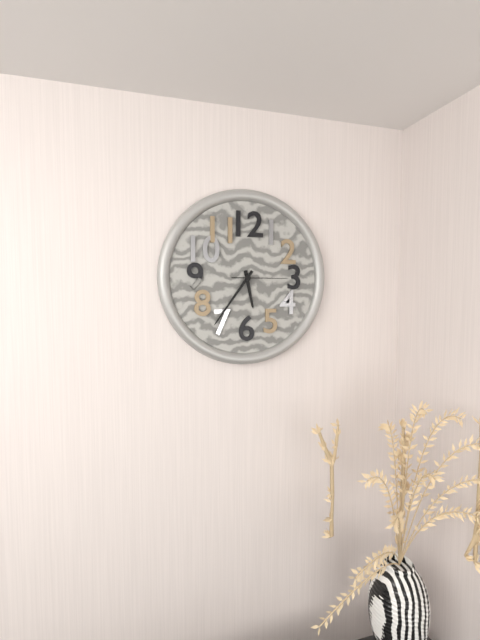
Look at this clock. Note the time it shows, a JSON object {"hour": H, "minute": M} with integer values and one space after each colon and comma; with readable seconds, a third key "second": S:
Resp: {"hour": 5, "minute": 36, "second": 15}
